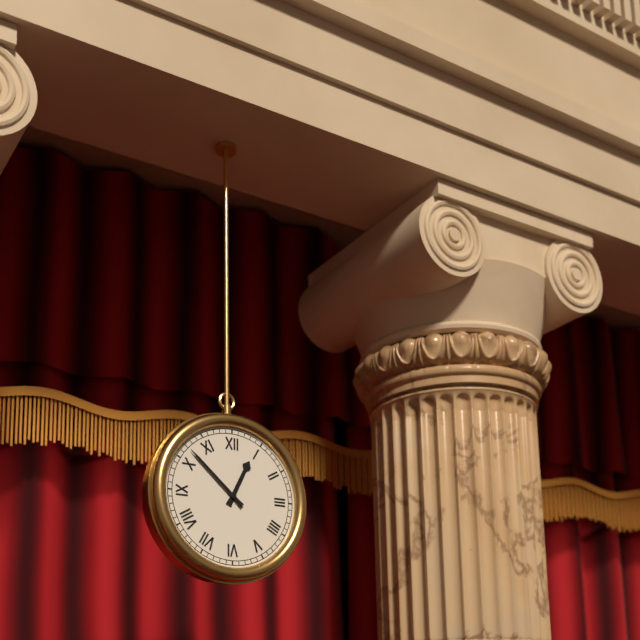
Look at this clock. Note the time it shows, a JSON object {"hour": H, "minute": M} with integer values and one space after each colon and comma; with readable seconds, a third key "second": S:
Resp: {"hour": 12, "minute": 52}
